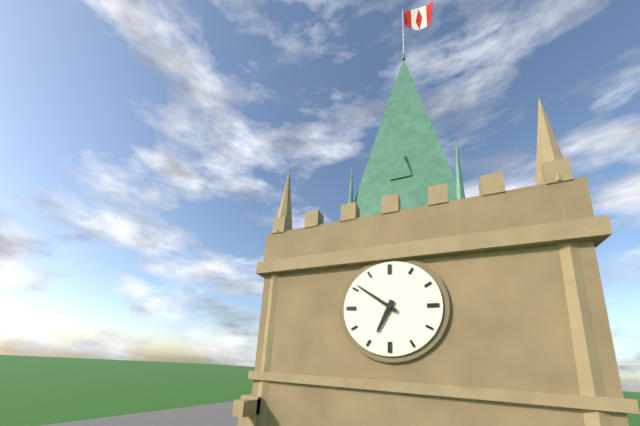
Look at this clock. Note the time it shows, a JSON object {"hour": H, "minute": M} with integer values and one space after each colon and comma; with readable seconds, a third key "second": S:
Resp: {"hour": 6, "minute": 51}
